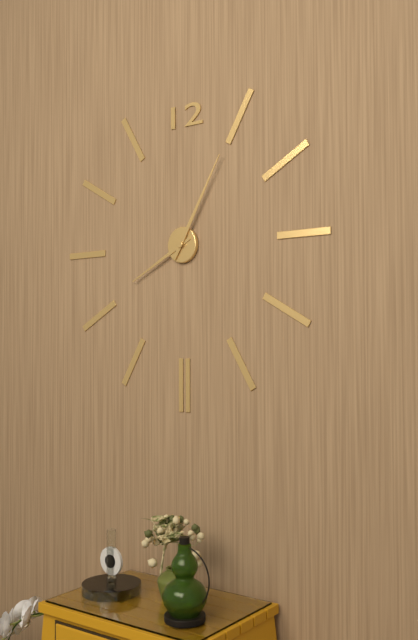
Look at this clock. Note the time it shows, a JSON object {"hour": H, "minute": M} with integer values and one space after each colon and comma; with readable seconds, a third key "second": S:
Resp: {"hour": 8, "minute": 5}
